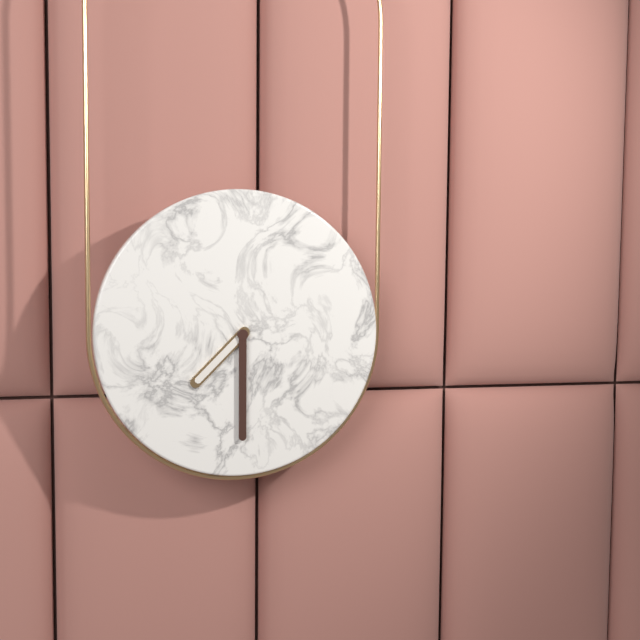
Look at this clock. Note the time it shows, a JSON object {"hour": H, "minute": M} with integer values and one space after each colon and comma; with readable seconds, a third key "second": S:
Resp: {"hour": 7, "minute": 30}
